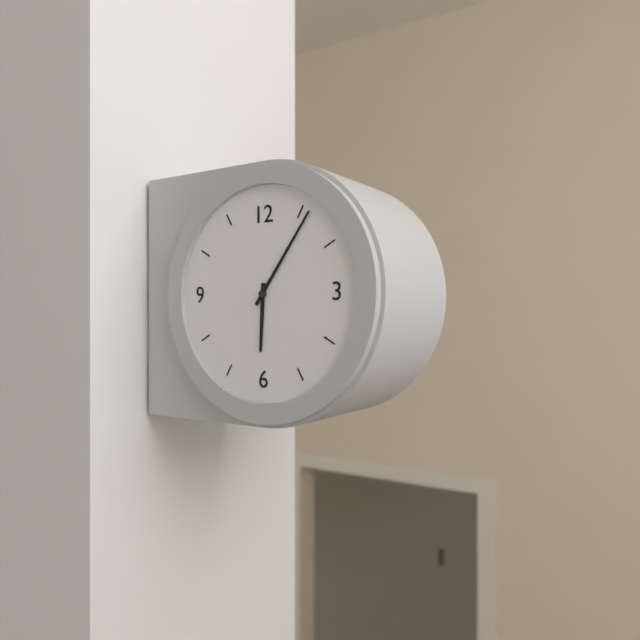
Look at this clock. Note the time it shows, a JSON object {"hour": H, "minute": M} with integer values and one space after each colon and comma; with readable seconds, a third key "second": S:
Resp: {"hour": 6, "minute": 6}
